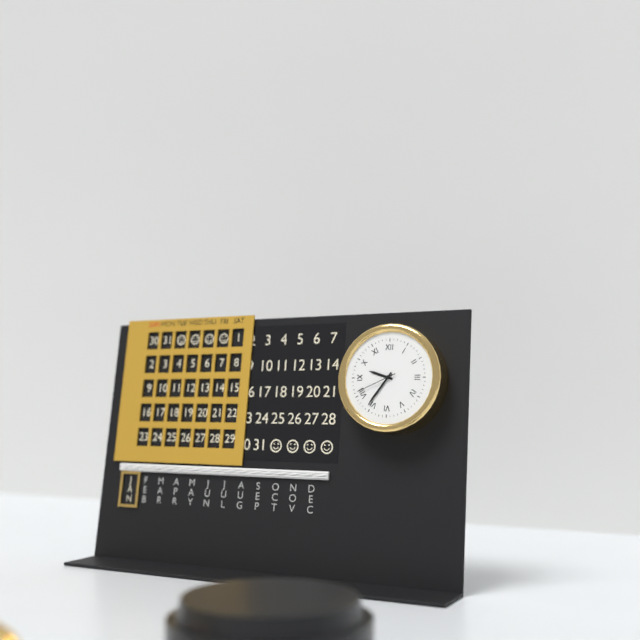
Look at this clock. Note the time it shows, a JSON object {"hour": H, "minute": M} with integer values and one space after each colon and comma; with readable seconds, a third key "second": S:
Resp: {"hour": 9, "minute": 36}
